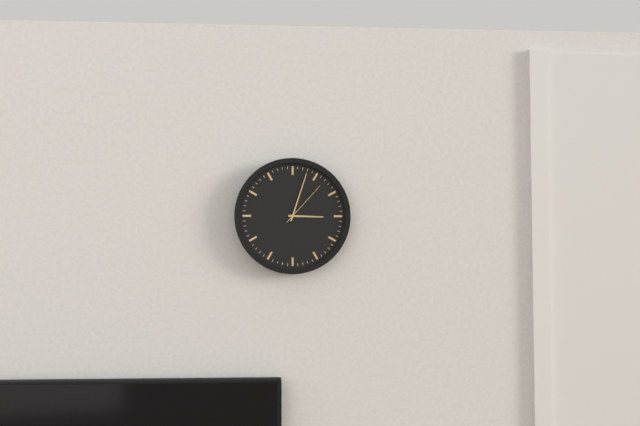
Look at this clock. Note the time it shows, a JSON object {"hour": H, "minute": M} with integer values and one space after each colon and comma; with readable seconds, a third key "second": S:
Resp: {"hour": 3, "minute": 3, "second": 7}
